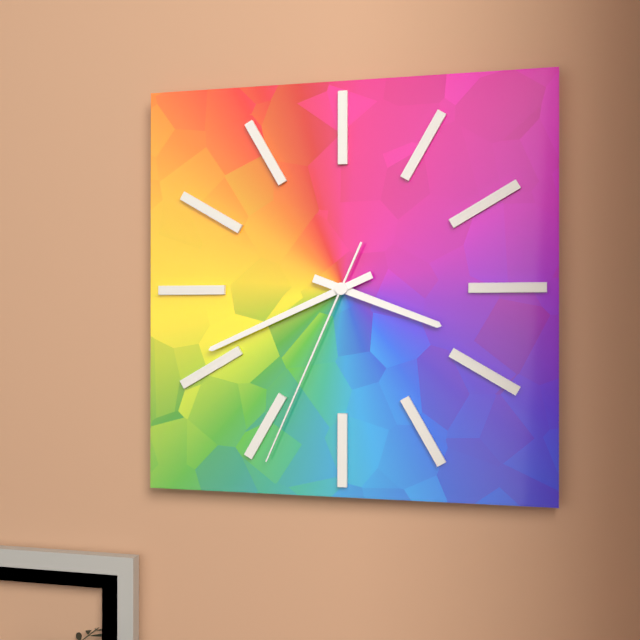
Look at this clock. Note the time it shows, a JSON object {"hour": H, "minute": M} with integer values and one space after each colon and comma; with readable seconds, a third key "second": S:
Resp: {"hour": 3, "minute": 41, "second": 34}
